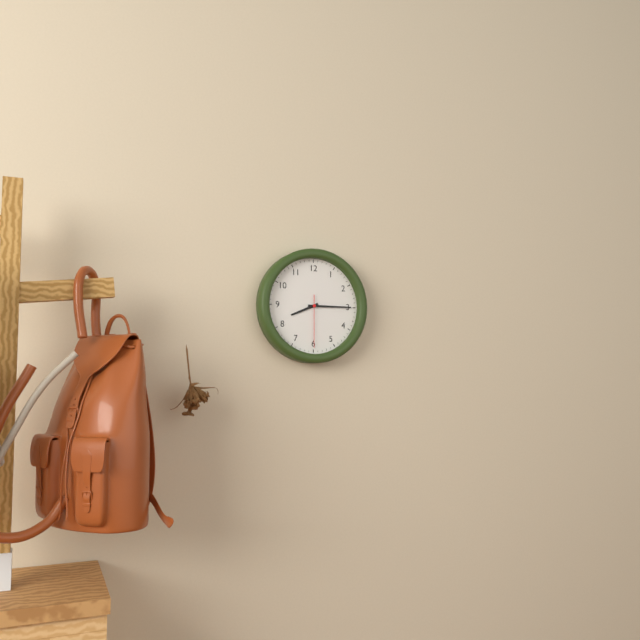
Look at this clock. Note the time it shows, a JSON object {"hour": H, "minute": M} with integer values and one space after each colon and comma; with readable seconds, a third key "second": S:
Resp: {"hour": 8, "minute": 15, "second": 30}
